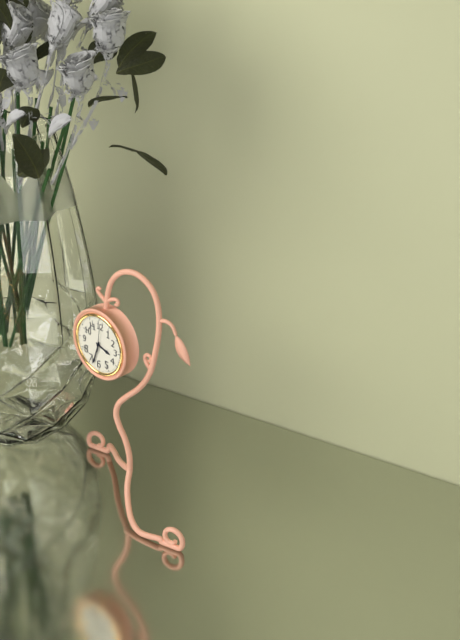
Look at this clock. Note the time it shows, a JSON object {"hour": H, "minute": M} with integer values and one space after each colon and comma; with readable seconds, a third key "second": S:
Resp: {"hour": 3, "minute": 33}
